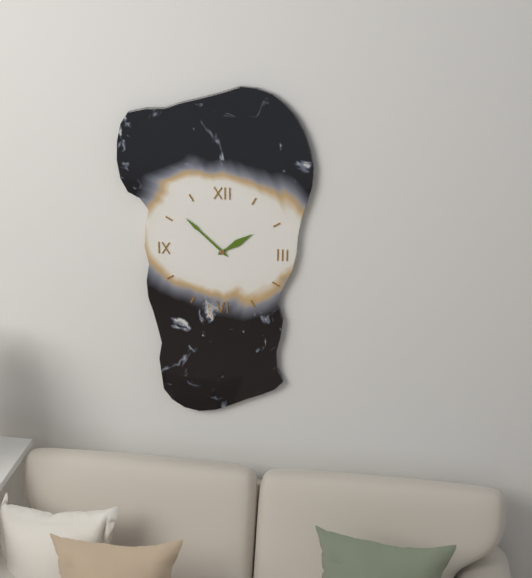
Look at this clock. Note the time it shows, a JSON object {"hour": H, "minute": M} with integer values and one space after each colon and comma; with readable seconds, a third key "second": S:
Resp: {"hour": 1, "minute": 52}
